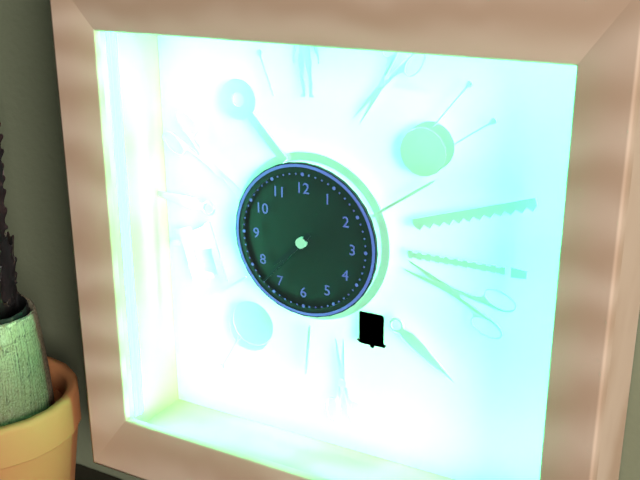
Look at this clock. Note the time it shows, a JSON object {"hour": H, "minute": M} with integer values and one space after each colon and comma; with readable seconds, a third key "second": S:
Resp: {"hour": 7, "minute": 37}
